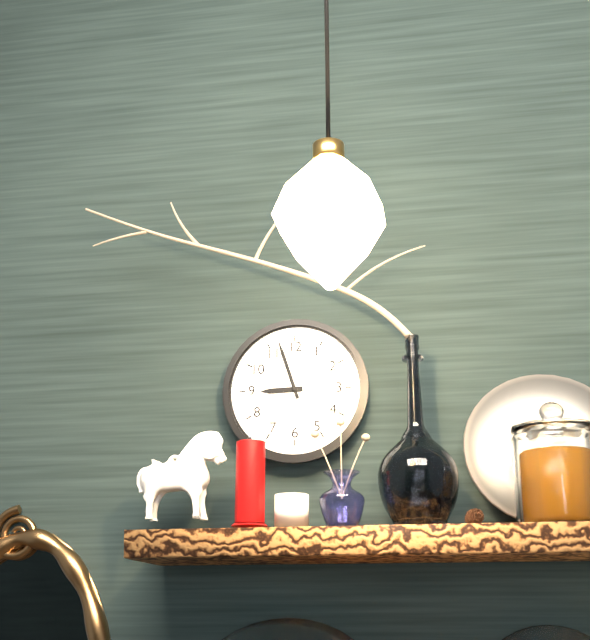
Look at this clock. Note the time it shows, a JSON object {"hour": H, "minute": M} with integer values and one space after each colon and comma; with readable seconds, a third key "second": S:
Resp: {"hour": 8, "minute": 57}
